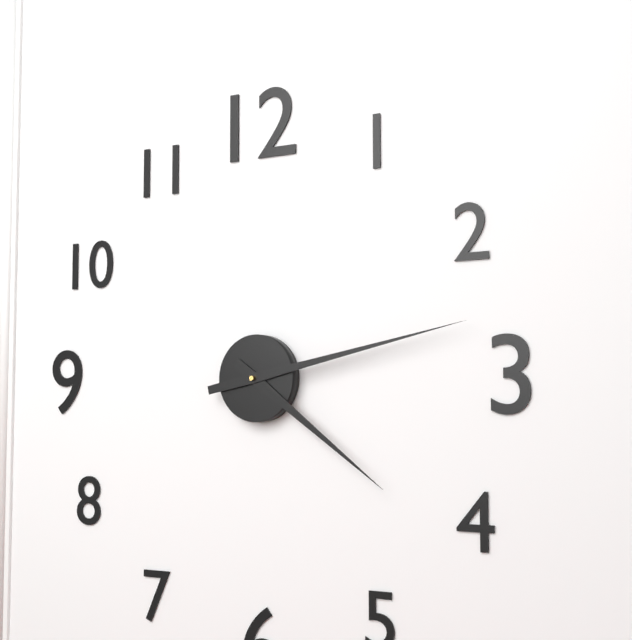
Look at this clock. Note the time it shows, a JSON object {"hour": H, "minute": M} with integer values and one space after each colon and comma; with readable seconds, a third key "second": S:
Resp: {"hour": 4, "minute": 13}
